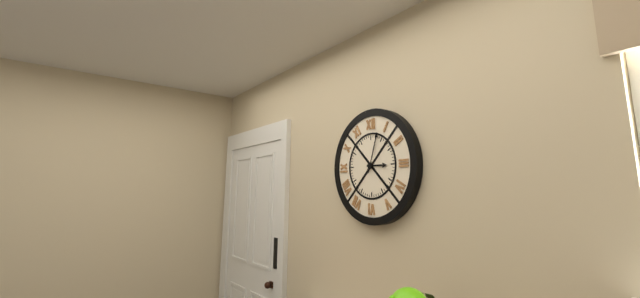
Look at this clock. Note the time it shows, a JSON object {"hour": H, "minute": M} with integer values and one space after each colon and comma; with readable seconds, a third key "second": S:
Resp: {"hour": 3, "minute": 3}
